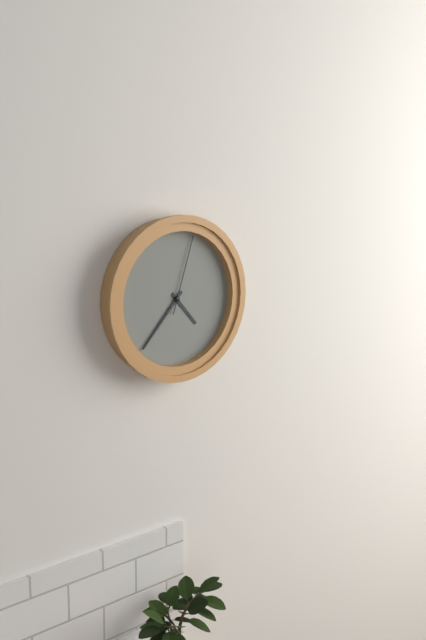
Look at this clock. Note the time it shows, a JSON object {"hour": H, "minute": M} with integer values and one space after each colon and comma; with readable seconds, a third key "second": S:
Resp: {"hour": 4, "minute": 37, "second": 3}
